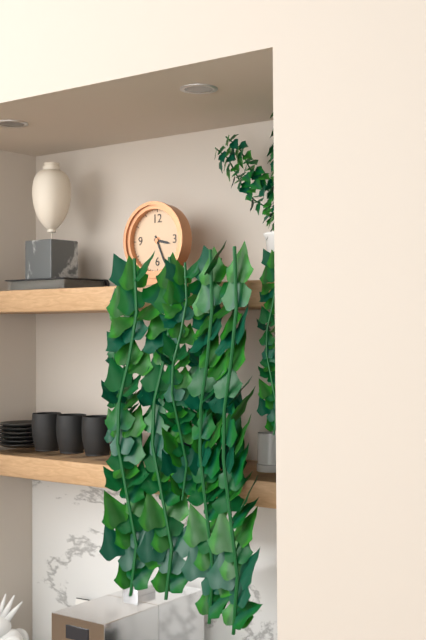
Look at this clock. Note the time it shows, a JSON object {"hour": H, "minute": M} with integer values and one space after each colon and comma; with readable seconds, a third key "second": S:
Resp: {"hour": 3, "minute": 26}
